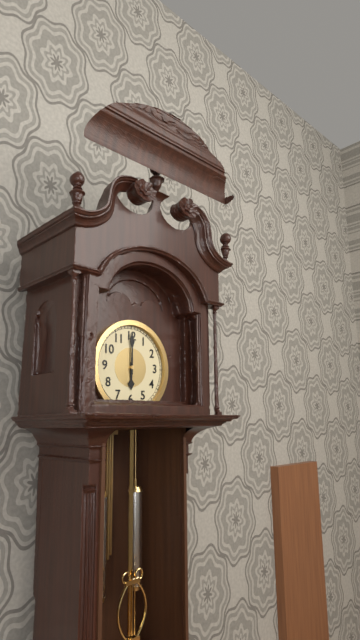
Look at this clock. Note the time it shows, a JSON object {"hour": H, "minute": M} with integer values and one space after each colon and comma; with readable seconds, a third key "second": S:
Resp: {"hour": 6, "minute": 0}
